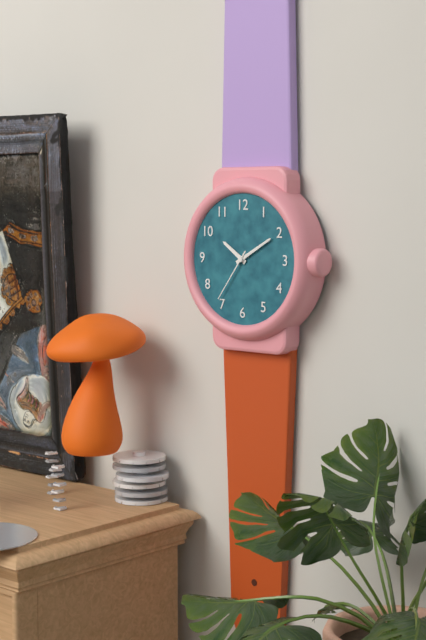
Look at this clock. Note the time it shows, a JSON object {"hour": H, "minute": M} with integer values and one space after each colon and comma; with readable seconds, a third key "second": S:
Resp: {"hour": 10, "minute": 10, "second": 36}
